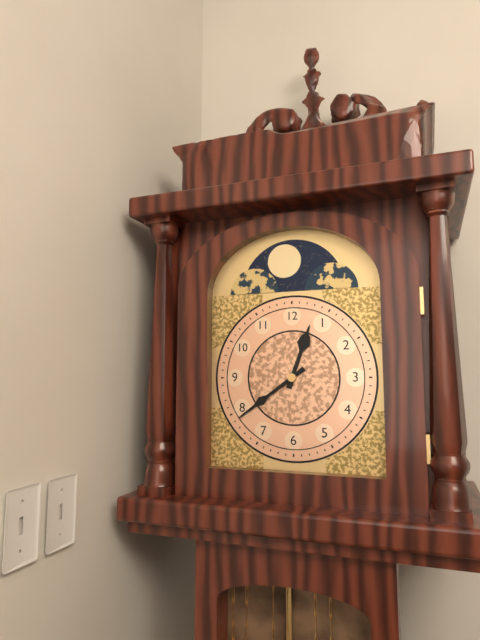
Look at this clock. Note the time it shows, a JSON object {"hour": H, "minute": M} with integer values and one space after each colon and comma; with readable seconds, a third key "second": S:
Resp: {"hour": 12, "minute": 39}
